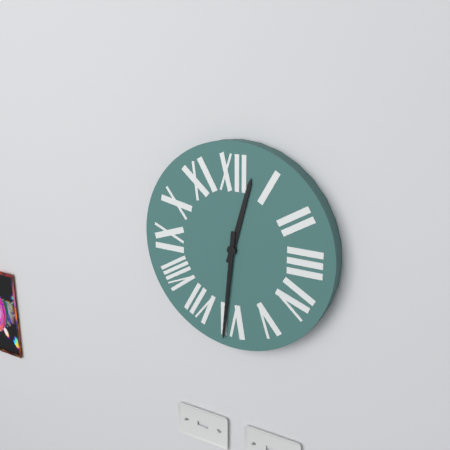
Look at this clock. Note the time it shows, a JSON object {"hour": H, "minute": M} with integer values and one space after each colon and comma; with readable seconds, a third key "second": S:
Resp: {"hour": 12, "minute": 31}
